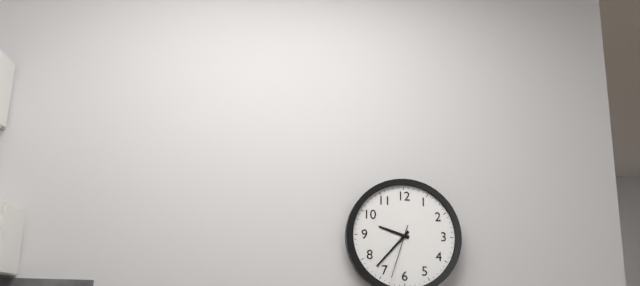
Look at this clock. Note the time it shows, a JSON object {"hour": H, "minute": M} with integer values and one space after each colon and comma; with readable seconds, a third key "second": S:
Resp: {"hour": 9, "minute": 37, "second": 33}
